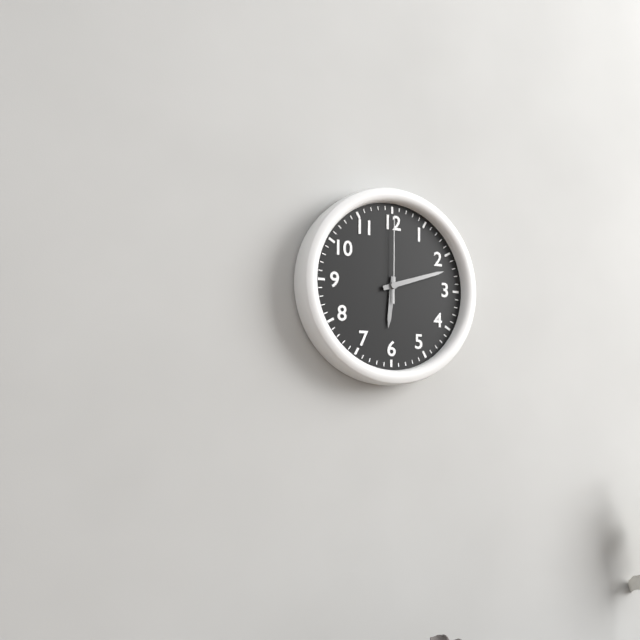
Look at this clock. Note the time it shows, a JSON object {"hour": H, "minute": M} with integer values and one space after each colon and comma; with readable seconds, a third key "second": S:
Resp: {"hour": 6, "minute": 12, "second": 0}
